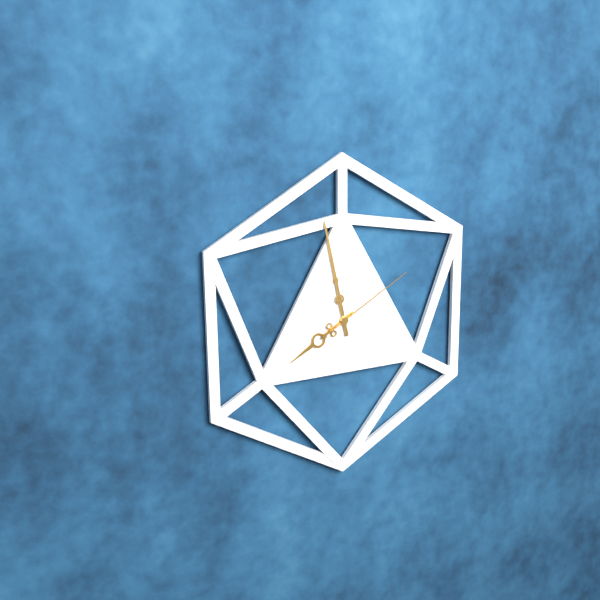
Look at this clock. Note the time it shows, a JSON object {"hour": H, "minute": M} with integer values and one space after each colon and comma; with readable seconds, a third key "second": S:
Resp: {"hour": 7, "minute": 58, "second": 10}
